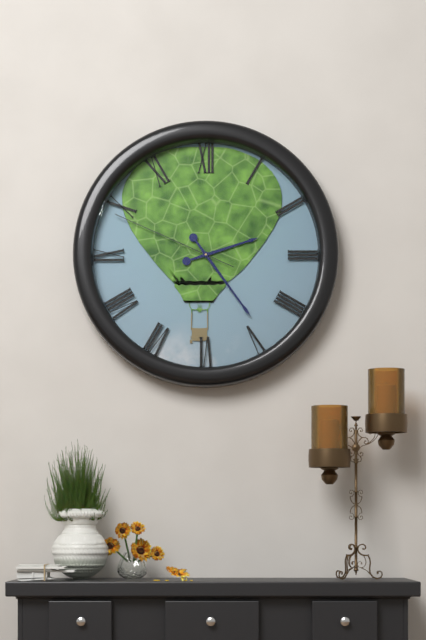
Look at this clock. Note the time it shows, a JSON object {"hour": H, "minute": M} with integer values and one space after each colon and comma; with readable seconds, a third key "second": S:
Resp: {"hour": 2, "minute": 24, "second": 49}
